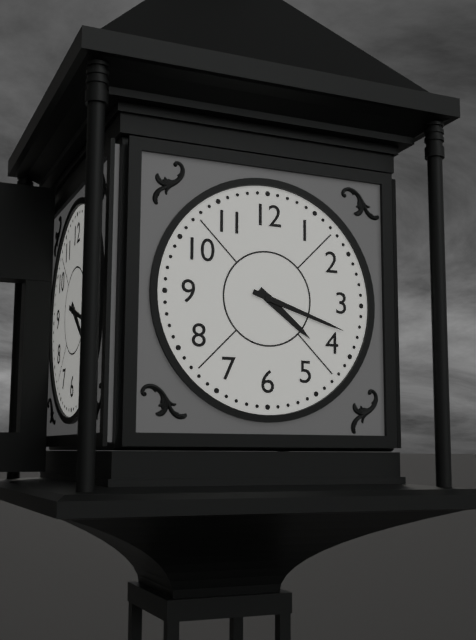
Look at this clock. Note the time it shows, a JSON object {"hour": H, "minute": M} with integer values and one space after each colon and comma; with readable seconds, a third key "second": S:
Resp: {"hour": 4, "minute": 18}
